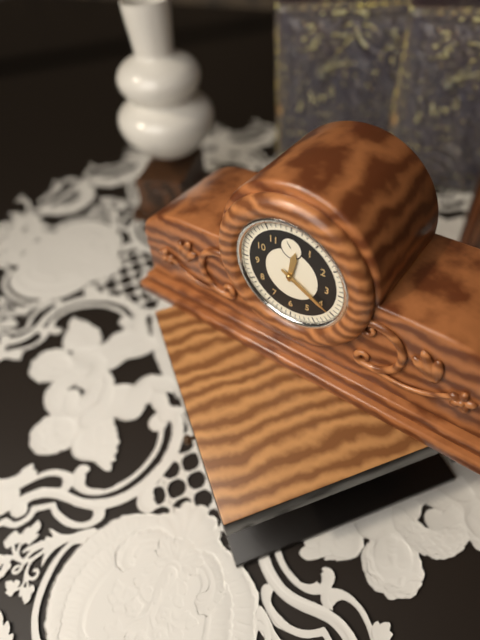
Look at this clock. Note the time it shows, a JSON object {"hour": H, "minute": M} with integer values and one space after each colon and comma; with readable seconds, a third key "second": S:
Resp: {"hour": 12, "minute": 20}
